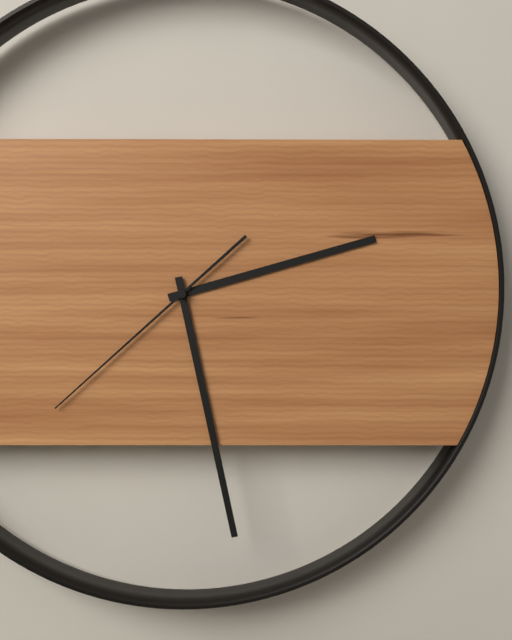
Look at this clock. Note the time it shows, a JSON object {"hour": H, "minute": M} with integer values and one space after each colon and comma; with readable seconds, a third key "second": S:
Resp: {"hour": 2, "minute": 28, "second": 38}
